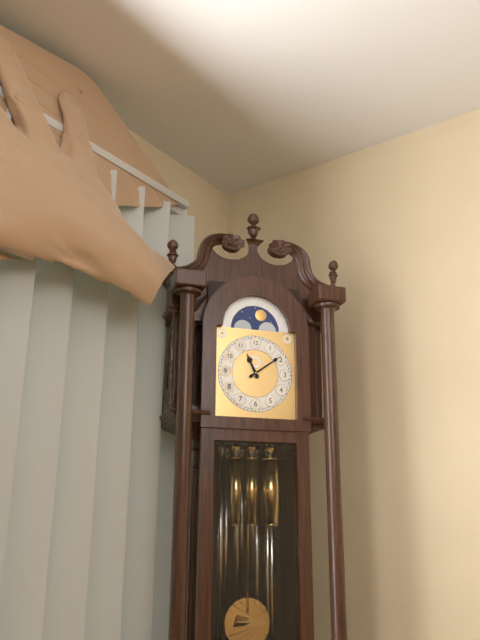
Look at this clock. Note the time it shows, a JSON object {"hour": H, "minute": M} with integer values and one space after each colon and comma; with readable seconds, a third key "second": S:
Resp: {"hour": 11, "minute": 9}
